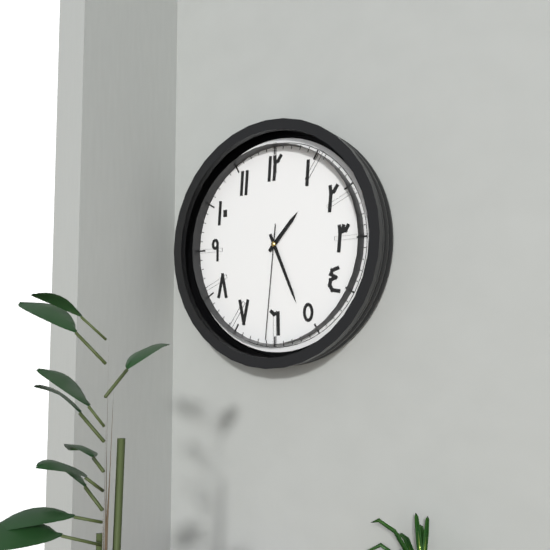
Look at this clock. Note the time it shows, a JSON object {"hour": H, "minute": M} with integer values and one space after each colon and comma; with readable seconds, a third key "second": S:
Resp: {"hour": 1, "minute": 26, "second": 31}
